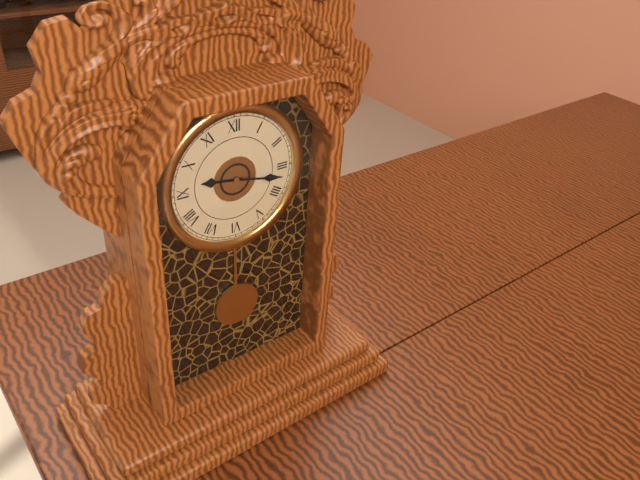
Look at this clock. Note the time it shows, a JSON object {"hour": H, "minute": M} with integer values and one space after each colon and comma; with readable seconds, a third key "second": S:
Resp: {"hour": 9, "minute": 17}
